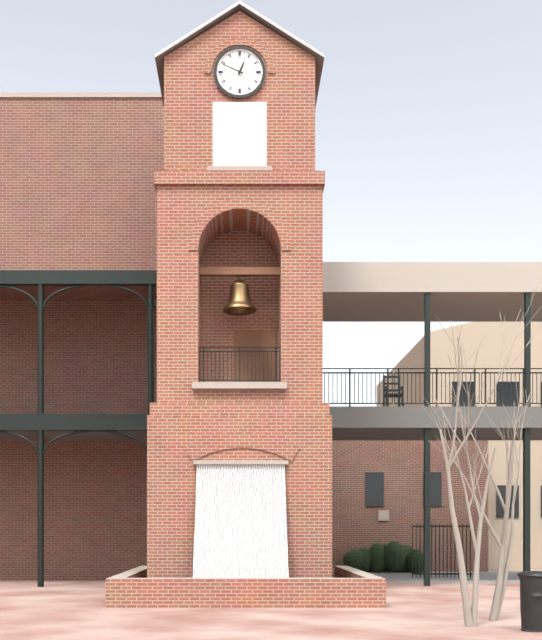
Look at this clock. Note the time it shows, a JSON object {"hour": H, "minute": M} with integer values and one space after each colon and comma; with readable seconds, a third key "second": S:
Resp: {"hour": 12, "minute": 49}
